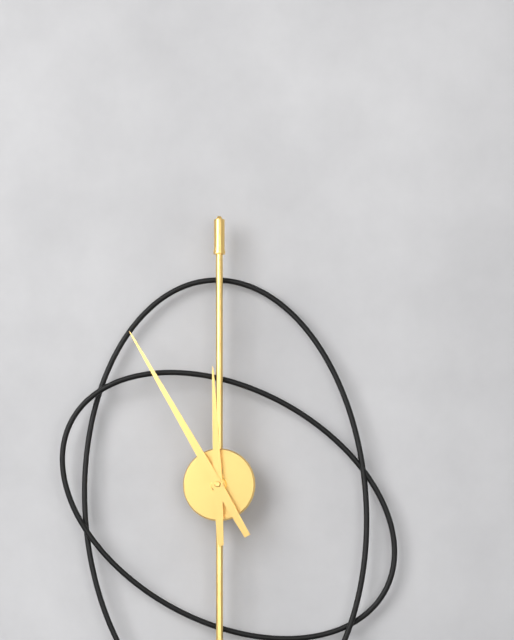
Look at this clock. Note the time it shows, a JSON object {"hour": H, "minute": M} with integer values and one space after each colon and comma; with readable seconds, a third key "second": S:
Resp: {"hour": 11, "minute": 55}
